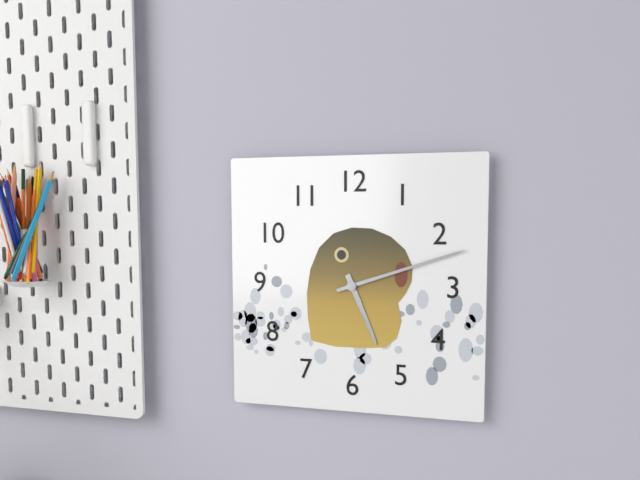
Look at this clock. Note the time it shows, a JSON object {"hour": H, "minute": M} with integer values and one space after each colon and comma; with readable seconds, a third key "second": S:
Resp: {"hour": 5, "minute": 12}
